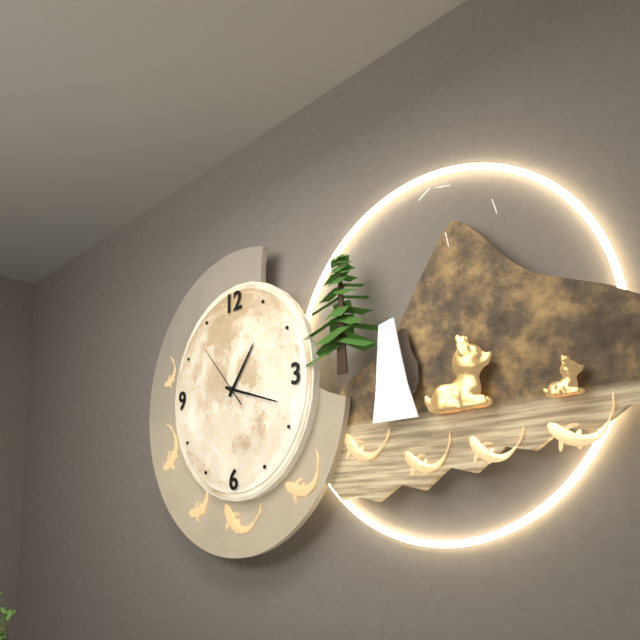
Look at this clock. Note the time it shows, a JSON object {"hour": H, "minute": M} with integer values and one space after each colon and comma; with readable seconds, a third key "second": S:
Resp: {"hour": 1, "minute": 18, "second": 53}
